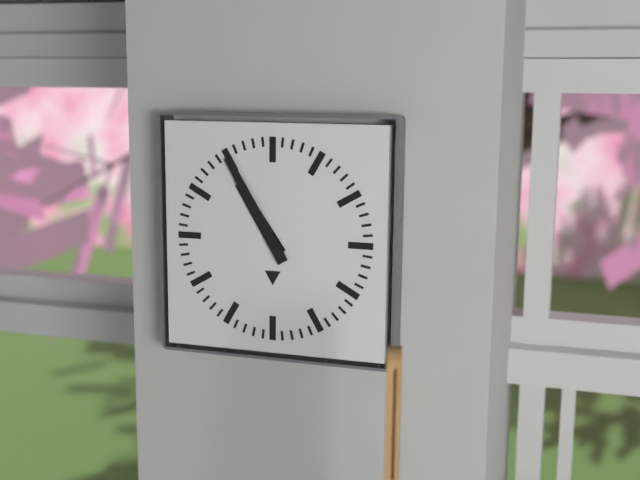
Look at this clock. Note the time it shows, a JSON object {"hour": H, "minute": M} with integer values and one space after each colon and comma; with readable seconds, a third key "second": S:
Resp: {"hour": 10, "minute": 55}
